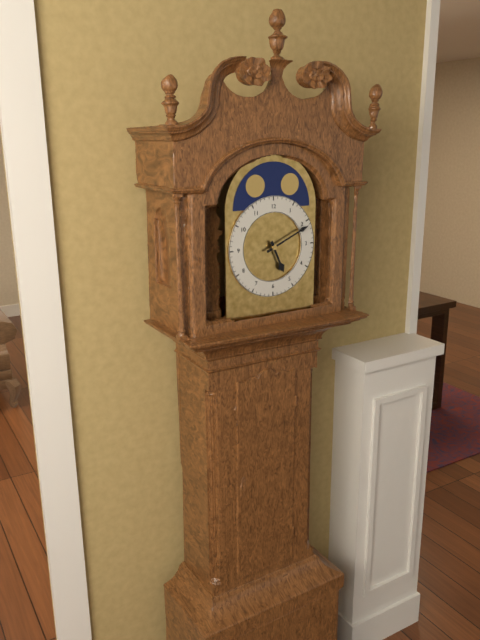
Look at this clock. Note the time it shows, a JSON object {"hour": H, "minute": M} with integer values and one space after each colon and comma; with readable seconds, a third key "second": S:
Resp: {"hour": 5, "minute": 11}
